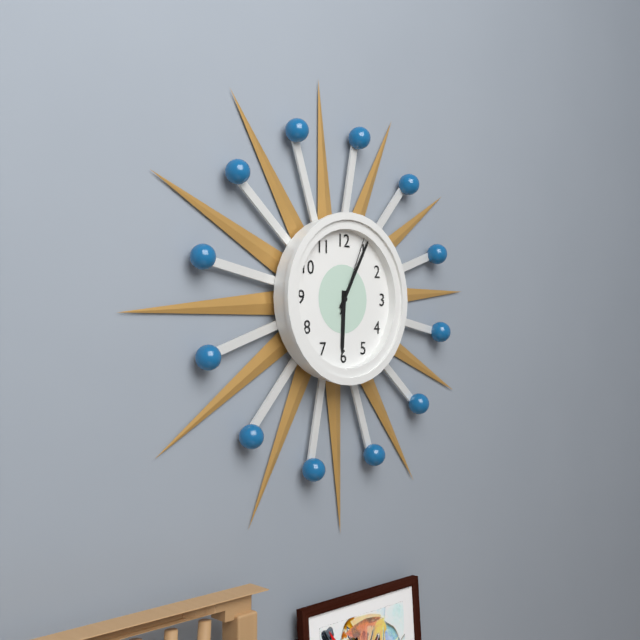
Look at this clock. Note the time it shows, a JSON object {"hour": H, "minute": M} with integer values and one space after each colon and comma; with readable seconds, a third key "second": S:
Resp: {"hour": 6, "minute": 5, "second": 4}
